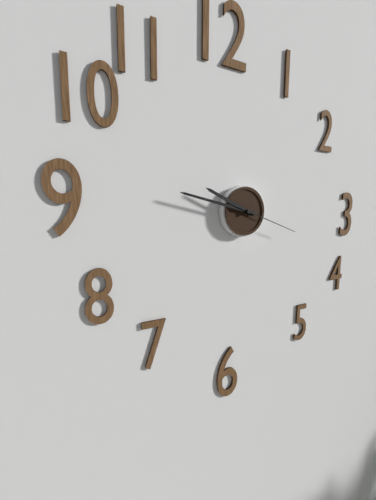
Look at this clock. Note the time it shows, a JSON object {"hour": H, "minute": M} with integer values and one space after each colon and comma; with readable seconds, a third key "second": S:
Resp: {"hour": 9, "minute": 47, "second": 18}
